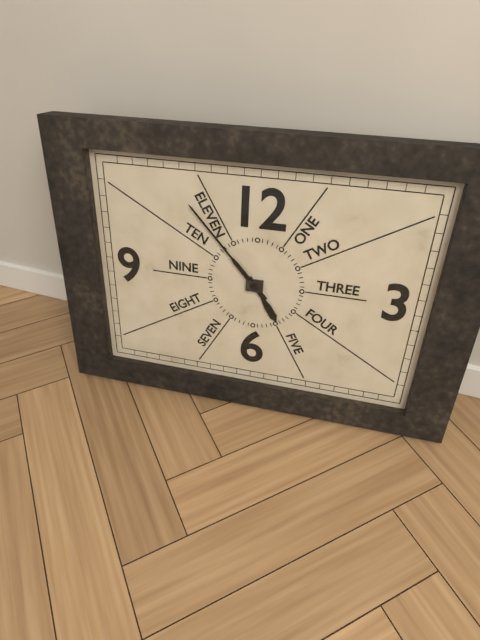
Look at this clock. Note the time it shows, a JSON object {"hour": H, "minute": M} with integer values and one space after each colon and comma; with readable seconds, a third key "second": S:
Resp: {"hour": 4, "minute": 53}
